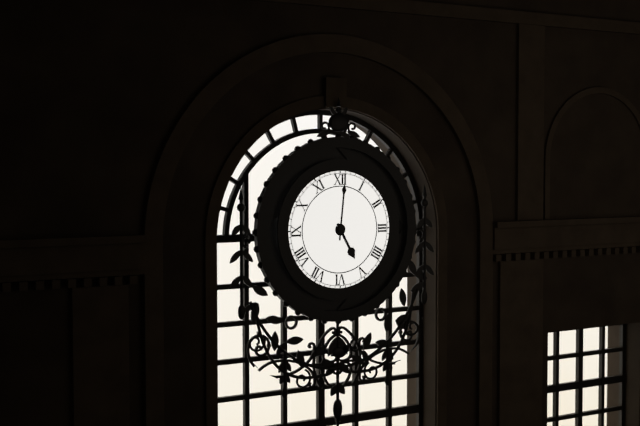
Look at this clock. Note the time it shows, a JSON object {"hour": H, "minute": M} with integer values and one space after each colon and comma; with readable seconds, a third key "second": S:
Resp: {"hour": 5, "minute": 1}
